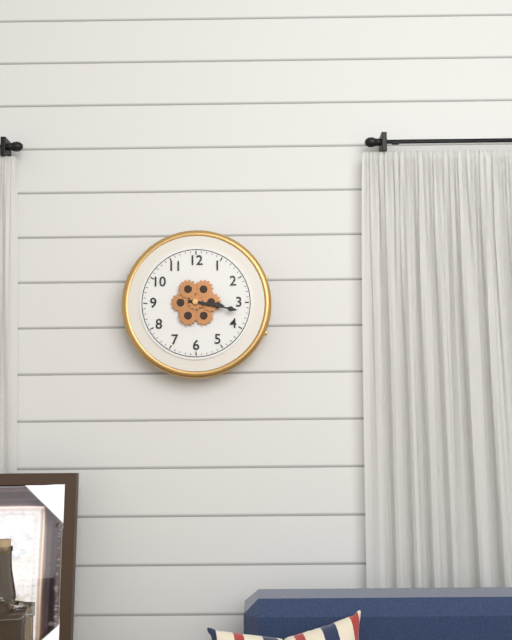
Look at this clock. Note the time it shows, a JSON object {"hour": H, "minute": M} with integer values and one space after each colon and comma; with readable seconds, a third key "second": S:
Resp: {"hour": 3, "minute": 17}
